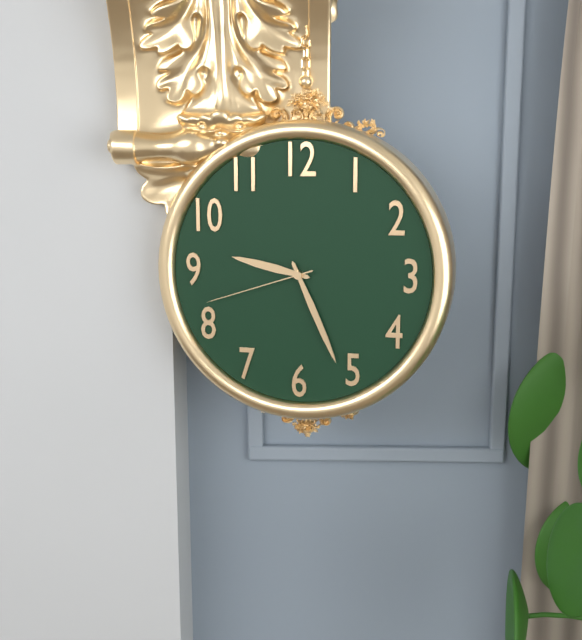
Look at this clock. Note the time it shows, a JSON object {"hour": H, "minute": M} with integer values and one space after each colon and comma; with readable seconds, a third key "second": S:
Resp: {"hour": 9, "minute": 26, "second": 42}
